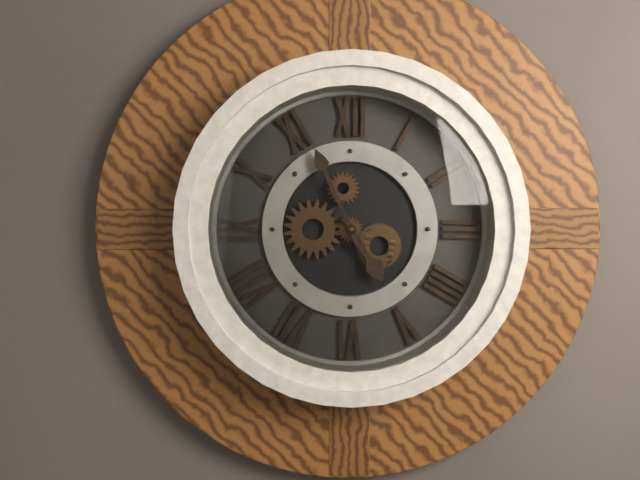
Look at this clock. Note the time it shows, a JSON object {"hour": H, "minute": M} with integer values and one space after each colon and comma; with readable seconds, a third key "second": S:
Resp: {"hour": 4, "minute": 56}
